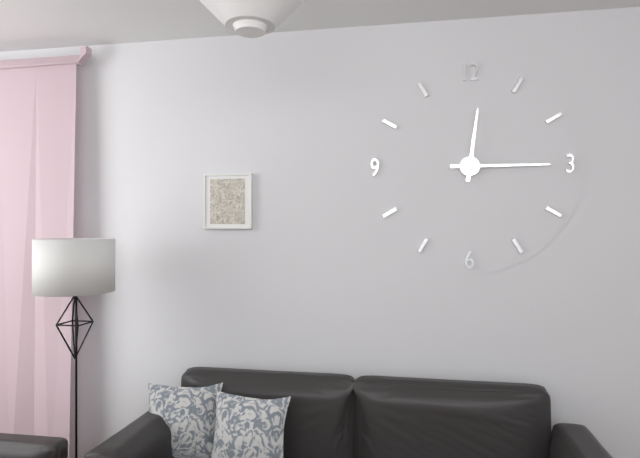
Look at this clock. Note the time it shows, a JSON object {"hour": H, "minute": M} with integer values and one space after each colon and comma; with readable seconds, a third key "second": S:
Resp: {"hour": 12, "minute": 15}
